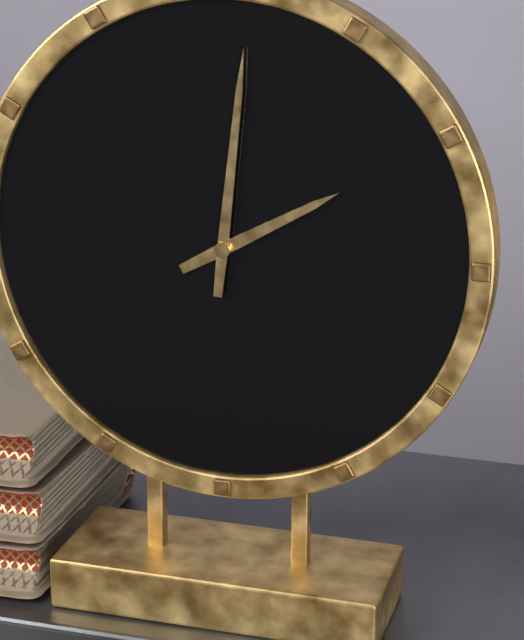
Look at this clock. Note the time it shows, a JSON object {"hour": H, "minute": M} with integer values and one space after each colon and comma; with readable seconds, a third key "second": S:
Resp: {"hour": 2, "minute": 1}
